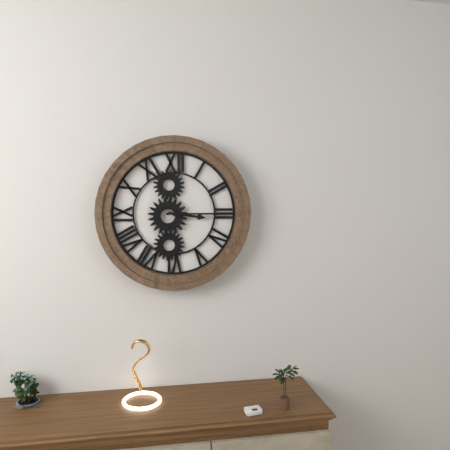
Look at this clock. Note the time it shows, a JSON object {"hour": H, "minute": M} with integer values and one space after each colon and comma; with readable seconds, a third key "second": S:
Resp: {"hour": 3, "minute": 15}
